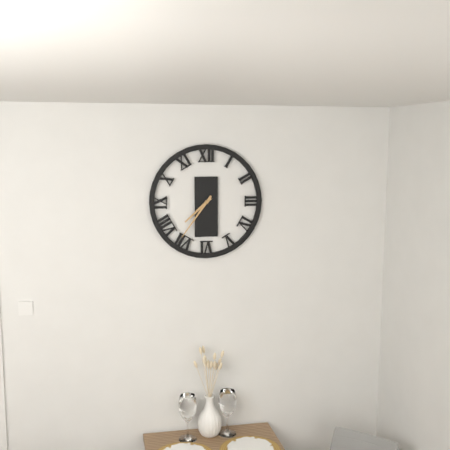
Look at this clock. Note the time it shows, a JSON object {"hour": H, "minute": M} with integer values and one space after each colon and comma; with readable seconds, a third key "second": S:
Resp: {"hour": 7, "minute": 36}
